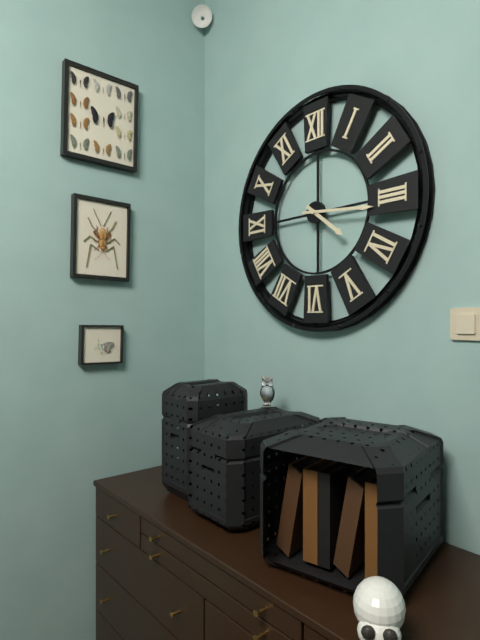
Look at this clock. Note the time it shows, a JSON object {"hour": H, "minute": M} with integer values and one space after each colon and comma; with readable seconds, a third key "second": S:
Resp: {"hour": 4, "minute": 16}
